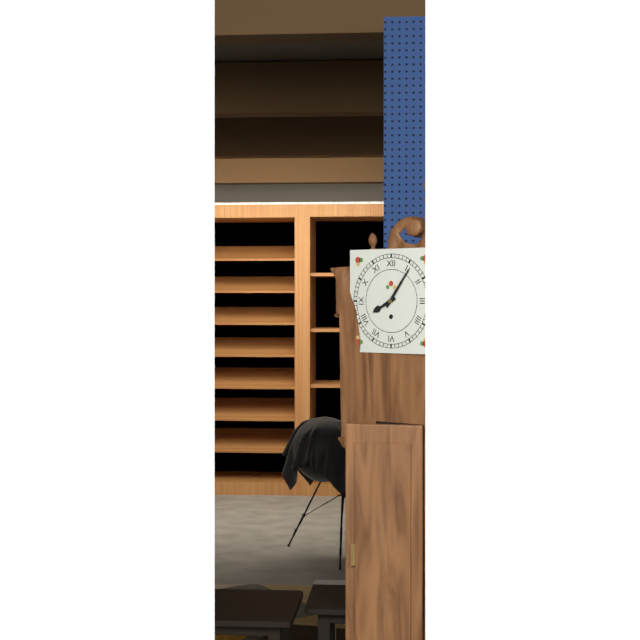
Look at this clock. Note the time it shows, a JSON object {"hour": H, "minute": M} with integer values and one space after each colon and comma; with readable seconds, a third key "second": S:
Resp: {"hour": 8, "minute": 6}
